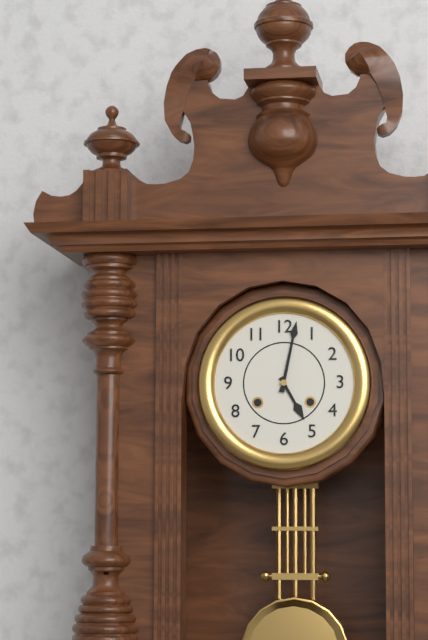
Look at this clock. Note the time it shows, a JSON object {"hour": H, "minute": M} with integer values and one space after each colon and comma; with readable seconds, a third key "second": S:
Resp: {"hour": 5, "minute": 2}
